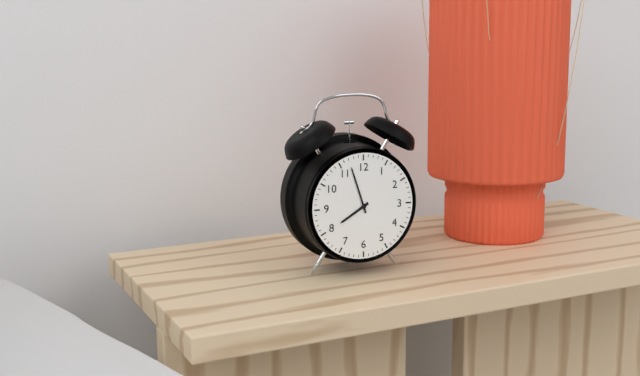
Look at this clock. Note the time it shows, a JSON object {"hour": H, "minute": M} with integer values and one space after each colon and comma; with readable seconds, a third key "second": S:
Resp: {"hour": 7, "minute": 57}
